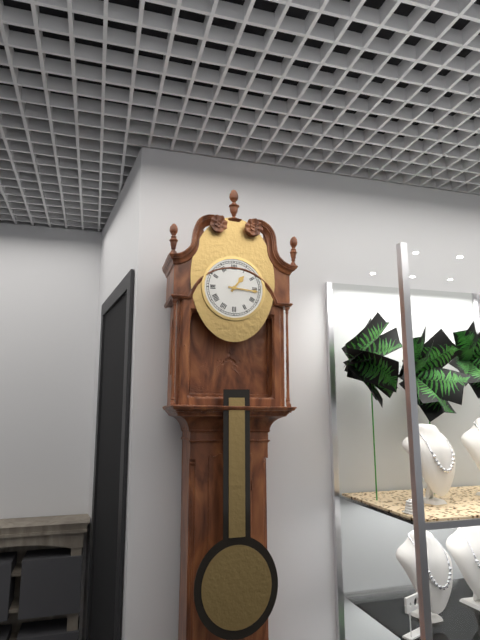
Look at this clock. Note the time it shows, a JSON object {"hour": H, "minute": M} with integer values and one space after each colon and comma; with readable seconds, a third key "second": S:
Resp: {"hour": 1, "minute": 16}
